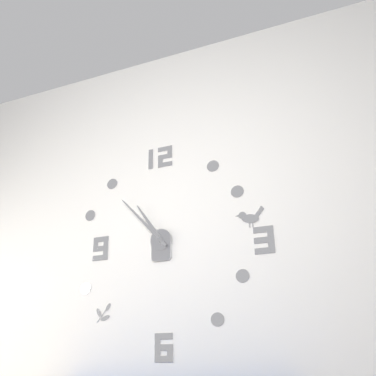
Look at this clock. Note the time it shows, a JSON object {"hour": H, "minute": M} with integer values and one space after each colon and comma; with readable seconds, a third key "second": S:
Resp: {"hour": 10, "minute": 53}
